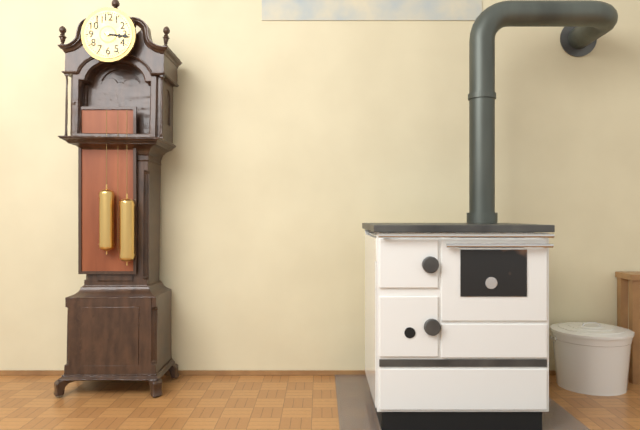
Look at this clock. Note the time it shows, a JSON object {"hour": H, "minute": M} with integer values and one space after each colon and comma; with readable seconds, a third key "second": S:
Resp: {"hour": 3, "minute": 16}
